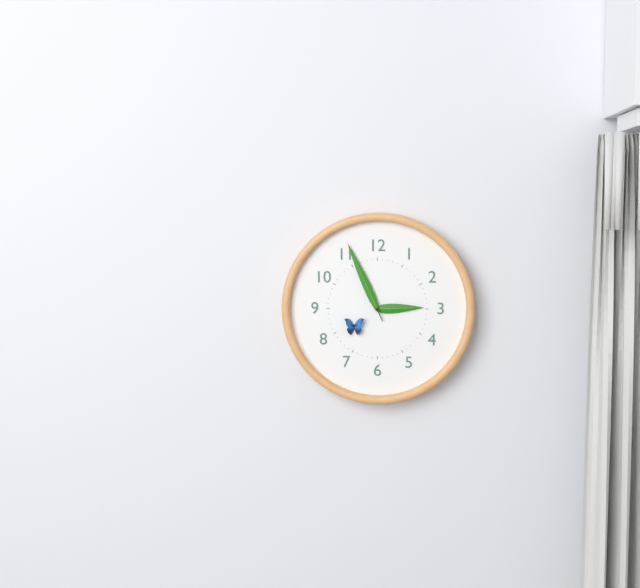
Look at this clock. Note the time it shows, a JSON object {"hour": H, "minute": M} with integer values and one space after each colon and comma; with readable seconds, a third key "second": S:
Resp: {"hour": 2, "minute": 56}
